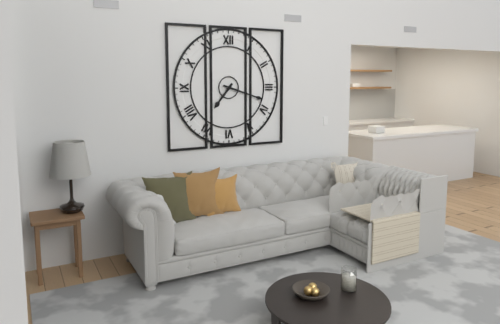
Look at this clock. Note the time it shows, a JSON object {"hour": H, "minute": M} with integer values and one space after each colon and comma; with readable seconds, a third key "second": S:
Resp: {"hour": 7, "minute": 18}
